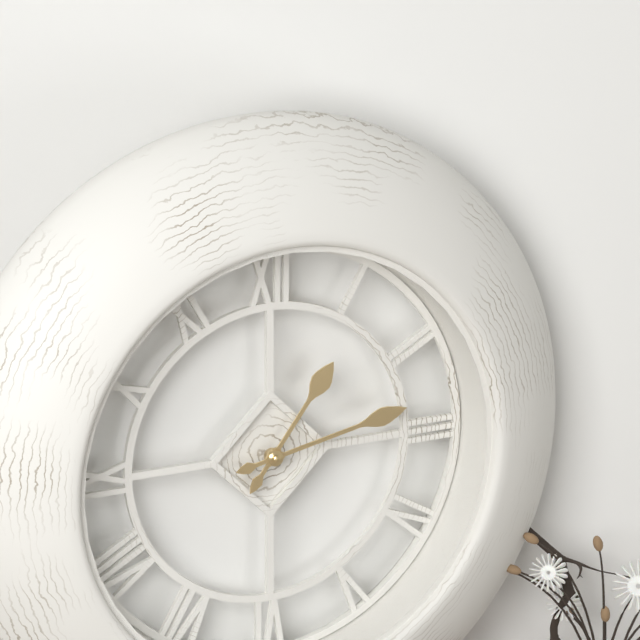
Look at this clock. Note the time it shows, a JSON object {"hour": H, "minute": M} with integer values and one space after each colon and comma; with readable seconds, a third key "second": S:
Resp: {"hour": 1, "minute": 13}
